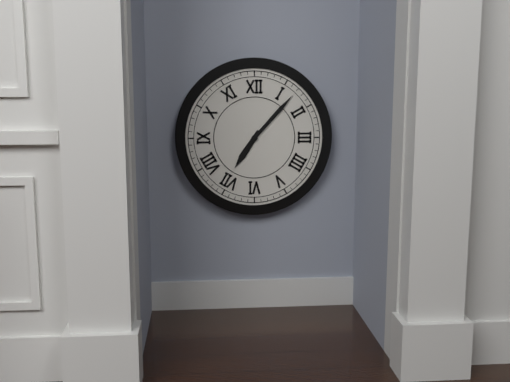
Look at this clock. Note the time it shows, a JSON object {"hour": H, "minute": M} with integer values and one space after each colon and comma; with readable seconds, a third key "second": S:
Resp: {"hour": 7, "minute": 7}
